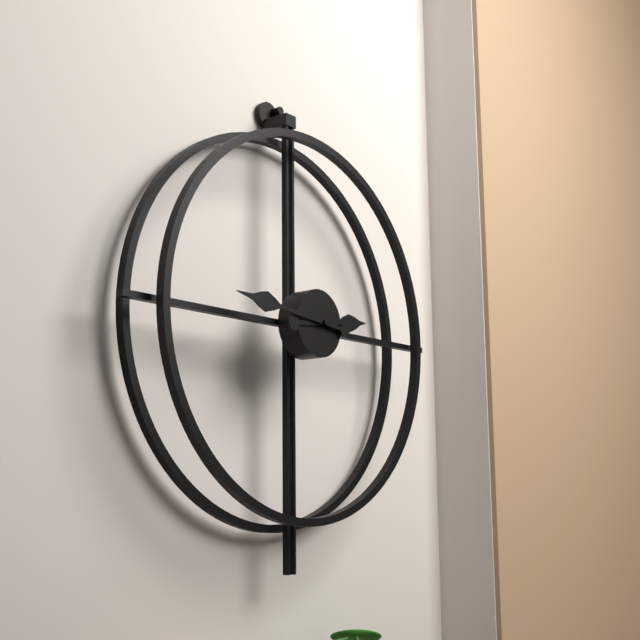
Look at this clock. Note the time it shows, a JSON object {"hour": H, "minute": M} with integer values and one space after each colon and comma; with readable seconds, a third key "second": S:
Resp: {"hour": 2, "minute": 46}
